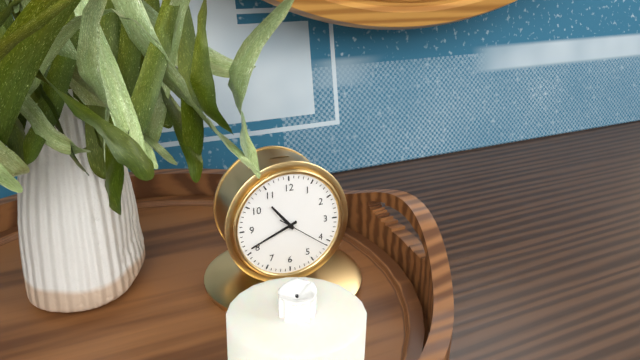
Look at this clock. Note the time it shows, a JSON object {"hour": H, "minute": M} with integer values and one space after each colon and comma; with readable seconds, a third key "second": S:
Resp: {"hour": 10, "minute": 41, "second": 21}
